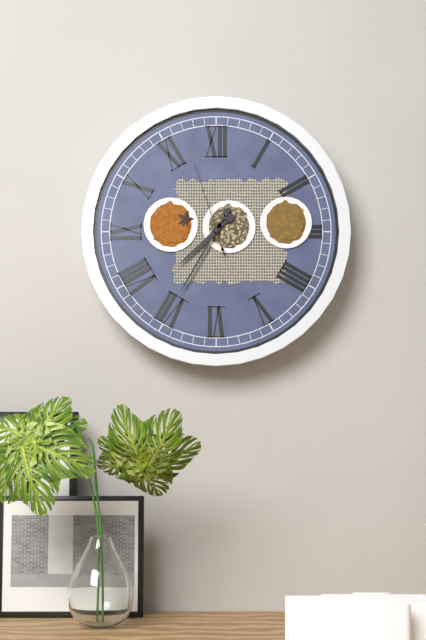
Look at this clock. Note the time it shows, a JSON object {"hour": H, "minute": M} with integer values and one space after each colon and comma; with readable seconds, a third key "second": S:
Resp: {"hour": 7, "minute": 35, "second": 57}
